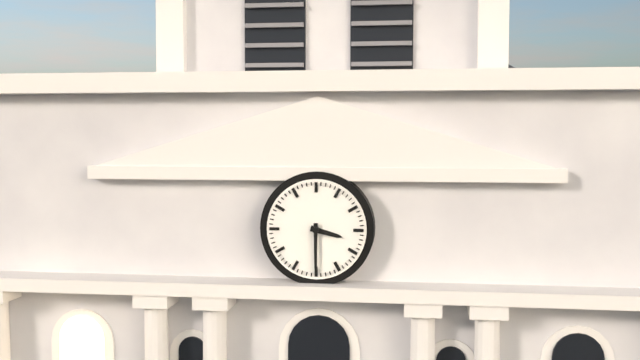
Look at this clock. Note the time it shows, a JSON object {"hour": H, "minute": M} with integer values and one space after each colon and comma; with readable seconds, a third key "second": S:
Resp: {"hour": 3, "minute": 30}
